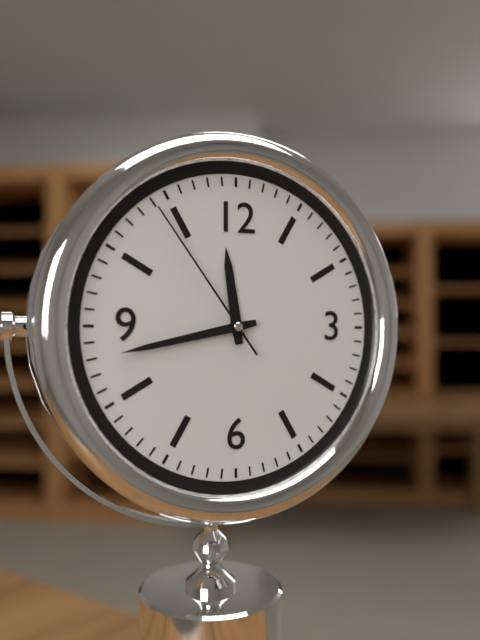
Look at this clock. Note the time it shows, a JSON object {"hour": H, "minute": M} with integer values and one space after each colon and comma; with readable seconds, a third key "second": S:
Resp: {"hour": 11, "minute": 43, "second": 54}
